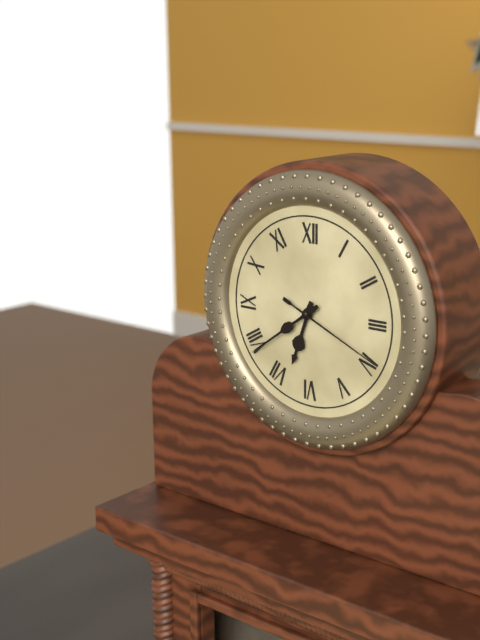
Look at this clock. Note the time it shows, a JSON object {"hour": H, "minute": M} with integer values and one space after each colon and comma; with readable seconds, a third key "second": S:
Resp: {"hour": 6, "minute": 39, "second": 19}
